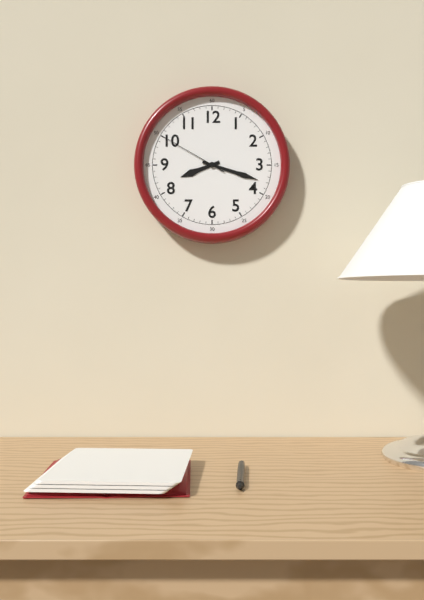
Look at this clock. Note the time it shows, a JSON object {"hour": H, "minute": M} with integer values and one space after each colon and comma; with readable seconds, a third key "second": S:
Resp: {"hour": 8, "minute": 18, "second": 50}
